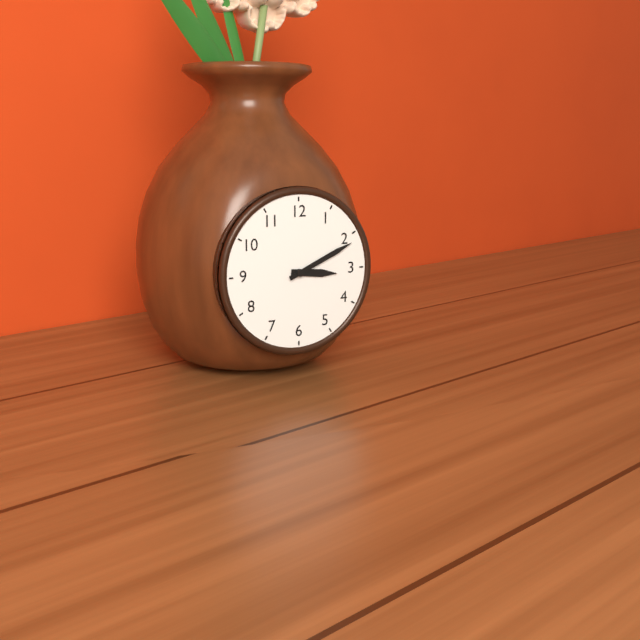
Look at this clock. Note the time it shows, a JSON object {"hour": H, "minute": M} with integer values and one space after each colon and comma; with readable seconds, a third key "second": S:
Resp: {"hour": 3, "minute": 11}
